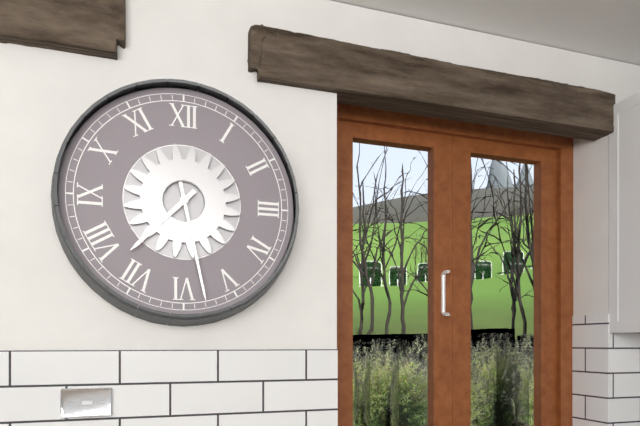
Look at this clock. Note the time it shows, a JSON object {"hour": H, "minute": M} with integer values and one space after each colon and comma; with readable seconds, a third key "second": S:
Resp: {"hour": 7, "minute": 28}
